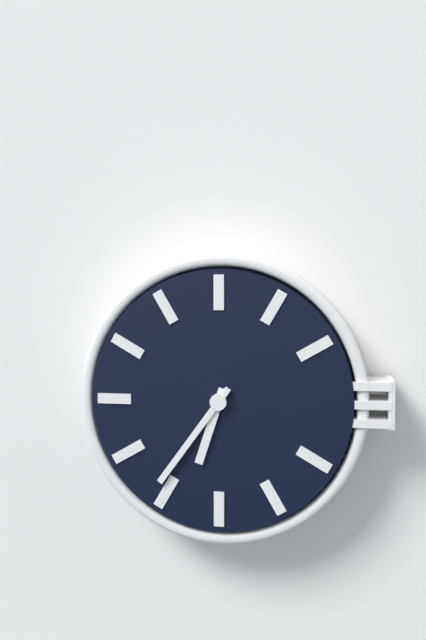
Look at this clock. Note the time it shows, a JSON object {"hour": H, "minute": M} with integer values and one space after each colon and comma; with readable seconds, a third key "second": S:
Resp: {"hour": 6, "minute": 36}
